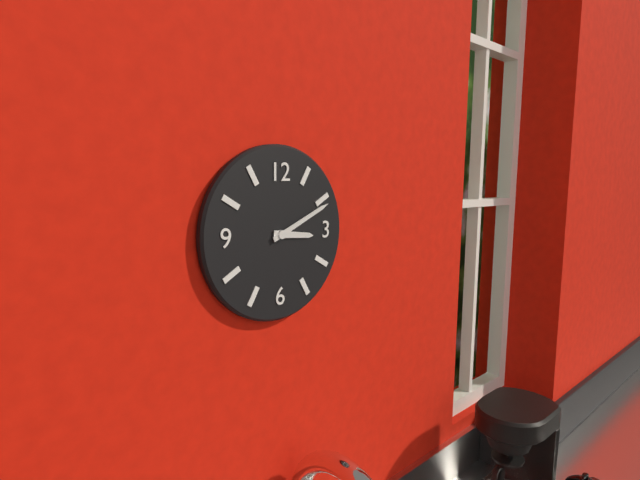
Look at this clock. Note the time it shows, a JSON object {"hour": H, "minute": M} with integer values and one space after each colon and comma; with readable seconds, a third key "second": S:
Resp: {"hour": 3, "minute": 11}
